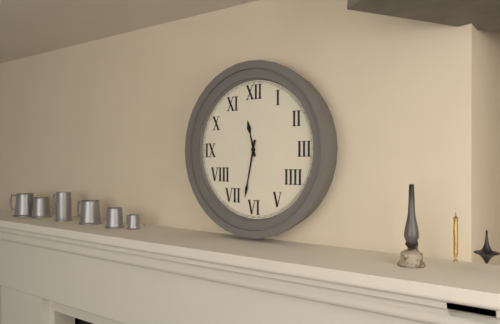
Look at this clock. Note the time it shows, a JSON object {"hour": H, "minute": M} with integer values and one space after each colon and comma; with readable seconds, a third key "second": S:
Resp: {"hour": 11, "minute": 32}
